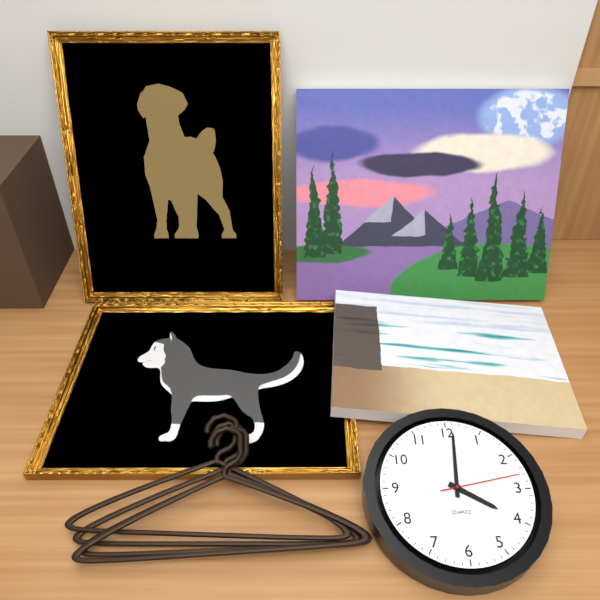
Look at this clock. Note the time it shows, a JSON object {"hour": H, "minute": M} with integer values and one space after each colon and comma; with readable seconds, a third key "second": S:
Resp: {"hour": 4, "minute": 1, "second": 13}
